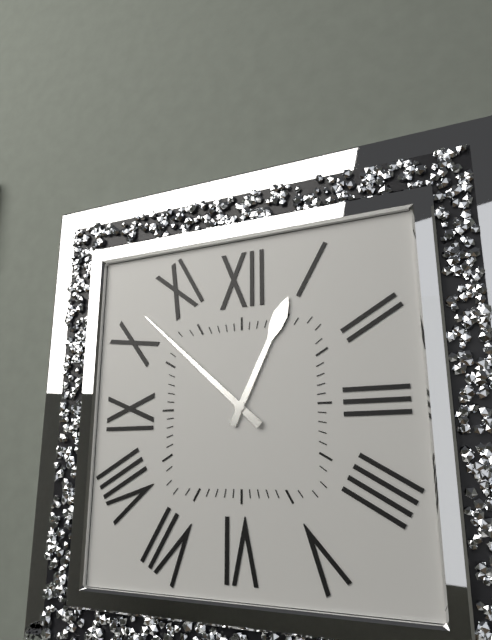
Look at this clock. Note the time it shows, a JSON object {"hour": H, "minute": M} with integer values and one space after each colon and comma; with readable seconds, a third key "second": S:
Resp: {"hour": 12, "minute": 52}
